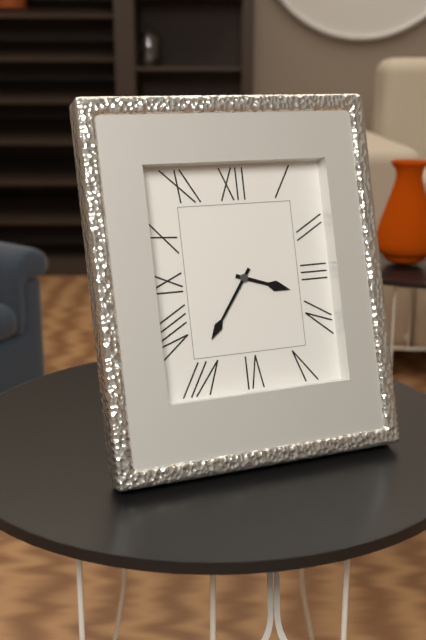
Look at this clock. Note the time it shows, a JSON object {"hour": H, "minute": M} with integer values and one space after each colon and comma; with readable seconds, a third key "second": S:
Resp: {"hour": 3, "minute": 36}
